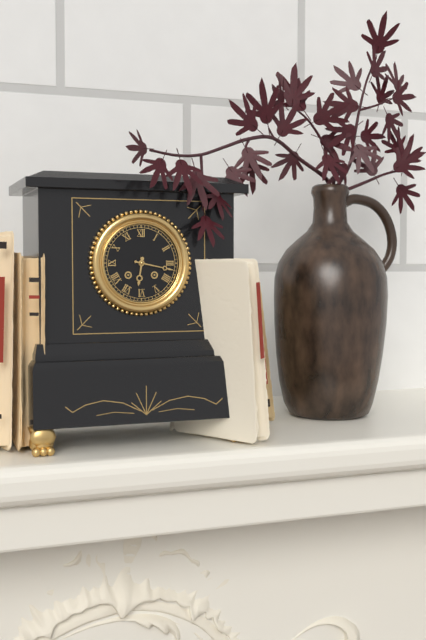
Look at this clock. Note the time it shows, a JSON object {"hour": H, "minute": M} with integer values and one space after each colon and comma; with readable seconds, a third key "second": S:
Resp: {"hour": 6, "minute": 17}
